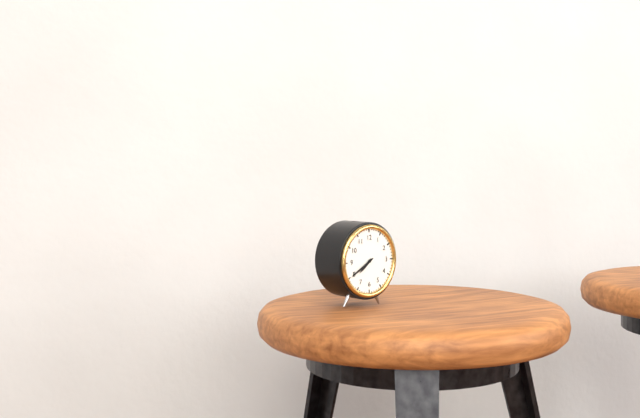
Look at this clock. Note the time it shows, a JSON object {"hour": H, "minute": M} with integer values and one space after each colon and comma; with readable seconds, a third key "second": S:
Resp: {"hour": 7, "minute": 40}
